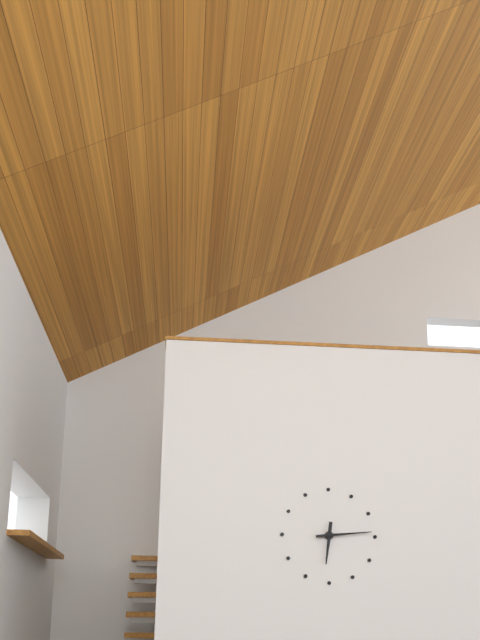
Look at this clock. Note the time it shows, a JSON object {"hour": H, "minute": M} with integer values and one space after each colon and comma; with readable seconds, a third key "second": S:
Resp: {"hour": 6, "minute": 14}
